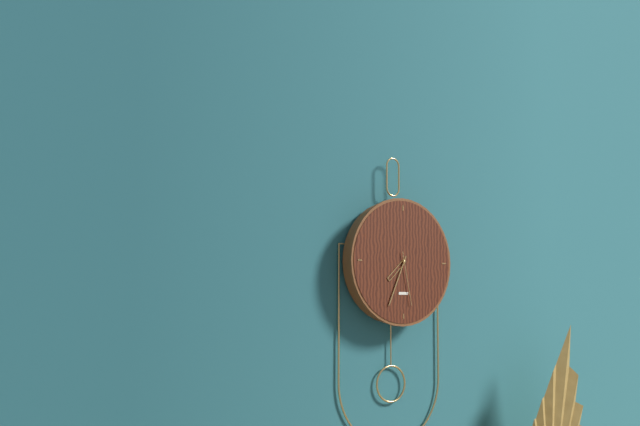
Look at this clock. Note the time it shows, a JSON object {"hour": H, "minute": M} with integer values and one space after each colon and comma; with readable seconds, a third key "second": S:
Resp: {"hour": 7, "minute": 34, "second": 28}
